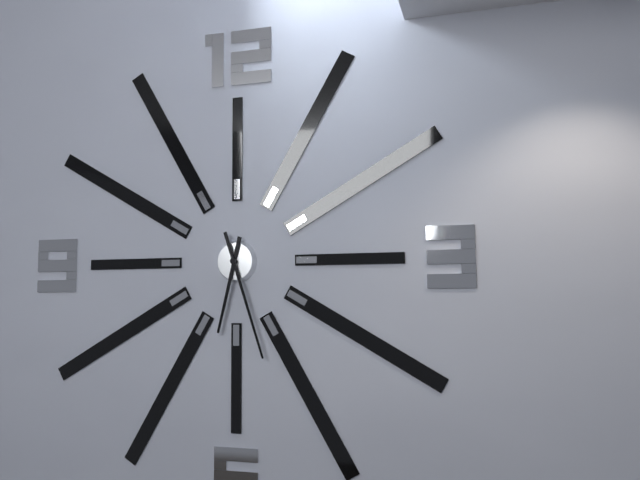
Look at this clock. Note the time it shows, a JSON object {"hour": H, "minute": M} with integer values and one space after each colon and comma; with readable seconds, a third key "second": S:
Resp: {"hour": 6, "minute": 27}
